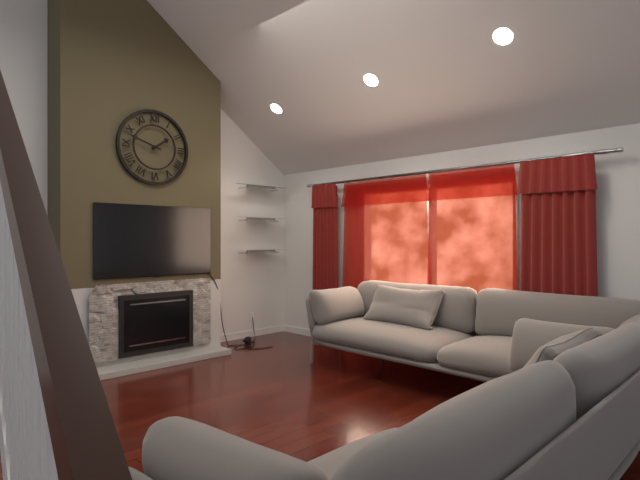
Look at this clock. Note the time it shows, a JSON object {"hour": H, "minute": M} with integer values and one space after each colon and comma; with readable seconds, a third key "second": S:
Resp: {"hour": 1, "minute": 48}
